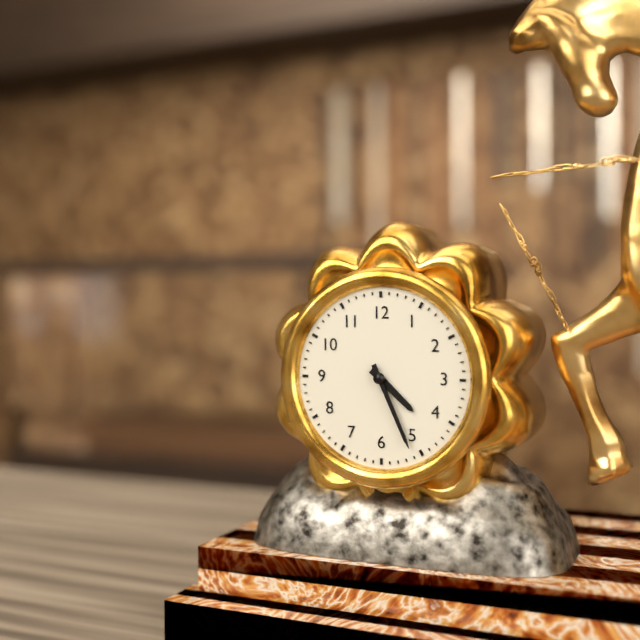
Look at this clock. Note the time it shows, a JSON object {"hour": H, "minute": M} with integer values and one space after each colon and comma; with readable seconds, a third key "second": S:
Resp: {"hour": 4, "minute": 26}
